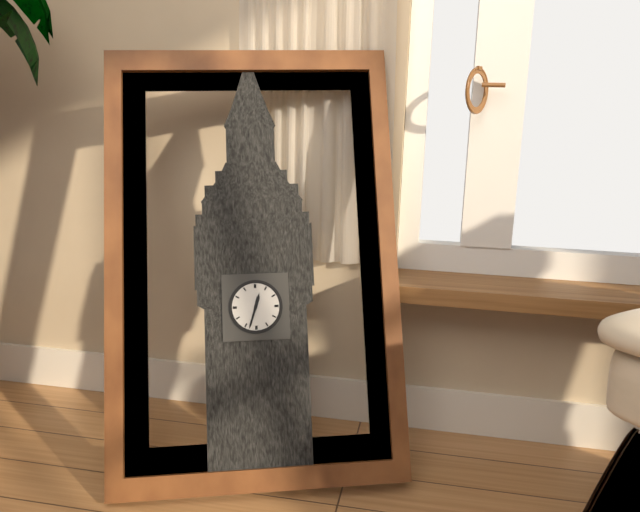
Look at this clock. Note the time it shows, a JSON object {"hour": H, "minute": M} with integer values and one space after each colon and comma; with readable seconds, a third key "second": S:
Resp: {"hour": 12, "minute": 33}
